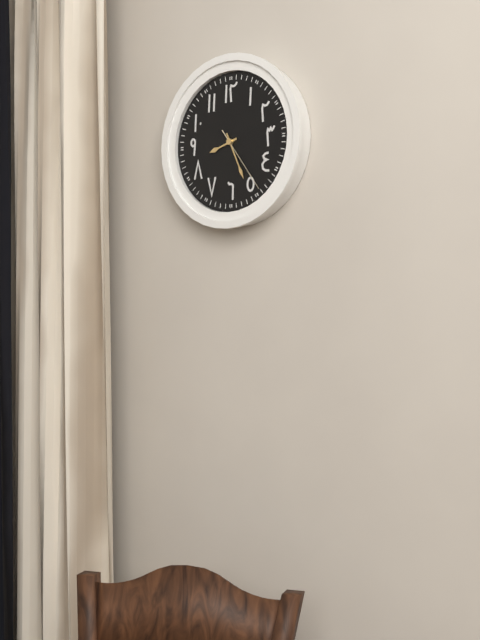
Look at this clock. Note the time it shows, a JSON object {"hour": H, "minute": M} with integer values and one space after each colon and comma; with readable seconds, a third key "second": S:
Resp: {"hour": 8, "minute": 26, "second": 24}
